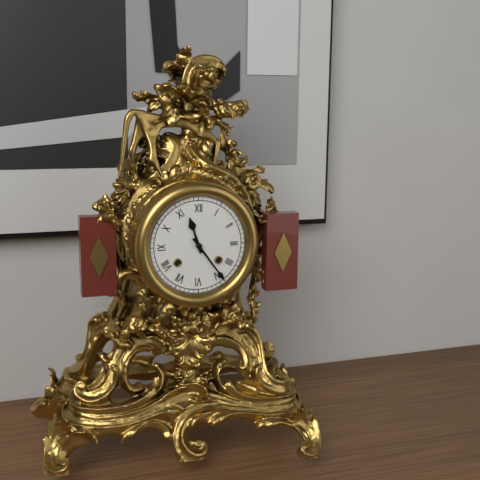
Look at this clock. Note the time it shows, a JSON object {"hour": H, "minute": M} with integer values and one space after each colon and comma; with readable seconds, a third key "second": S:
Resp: {"hour": 11, "minute": 24}
